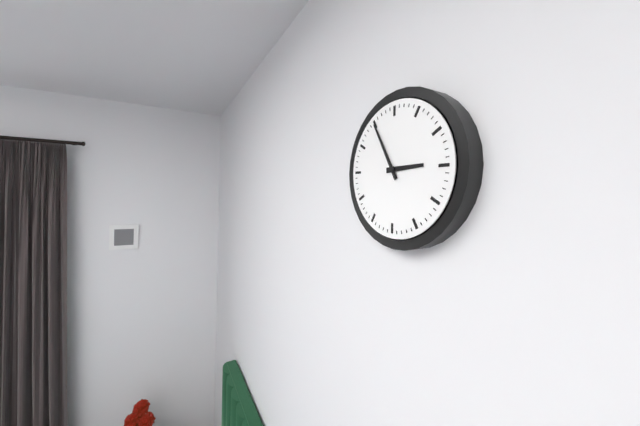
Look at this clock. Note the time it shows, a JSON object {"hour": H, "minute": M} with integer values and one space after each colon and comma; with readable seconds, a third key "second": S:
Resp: {"hour": 2, "minute": 55}
